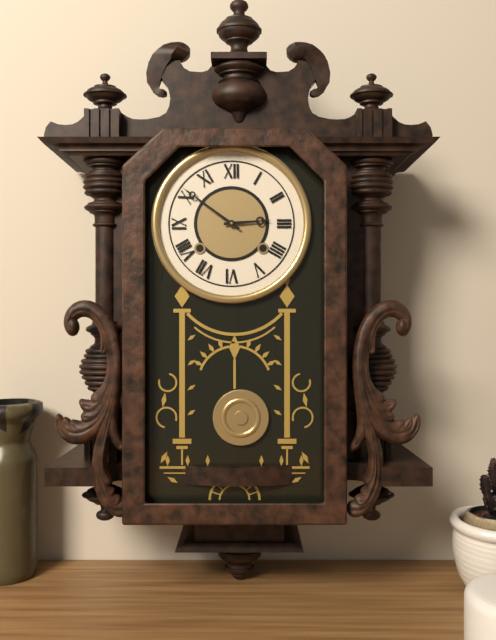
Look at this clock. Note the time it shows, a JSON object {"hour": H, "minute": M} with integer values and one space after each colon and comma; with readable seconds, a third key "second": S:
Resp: {"hour": 2, "minute": 51}
